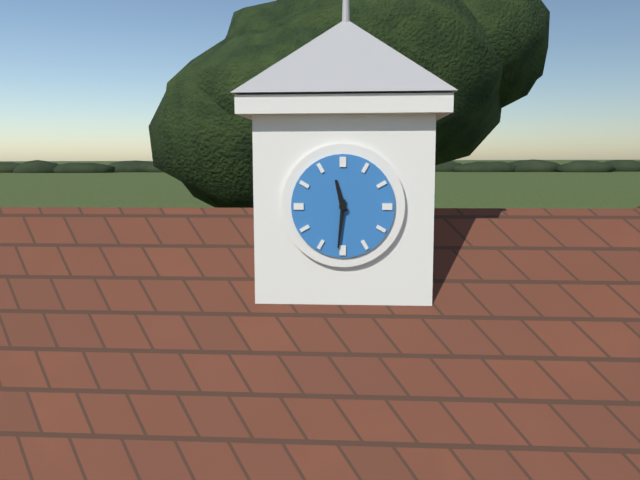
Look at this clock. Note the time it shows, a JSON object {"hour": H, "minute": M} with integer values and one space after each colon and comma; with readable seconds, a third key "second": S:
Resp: {"hour": 11, "minute": 31}
